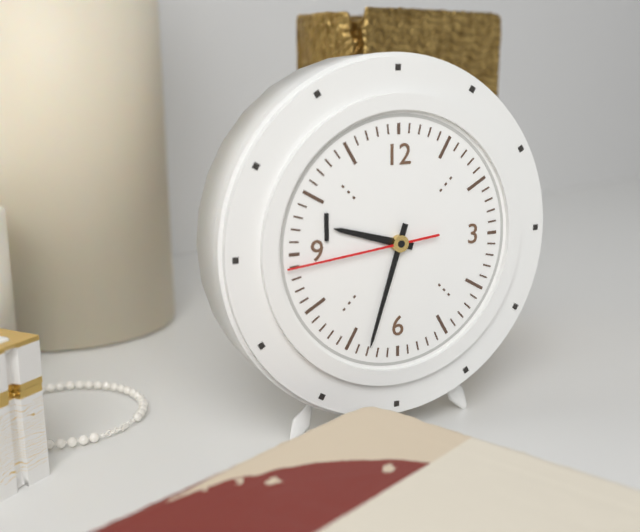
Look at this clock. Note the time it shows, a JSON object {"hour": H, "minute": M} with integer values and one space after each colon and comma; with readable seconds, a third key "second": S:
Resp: {"hour": 9, "minute": 33, "second": 44}
